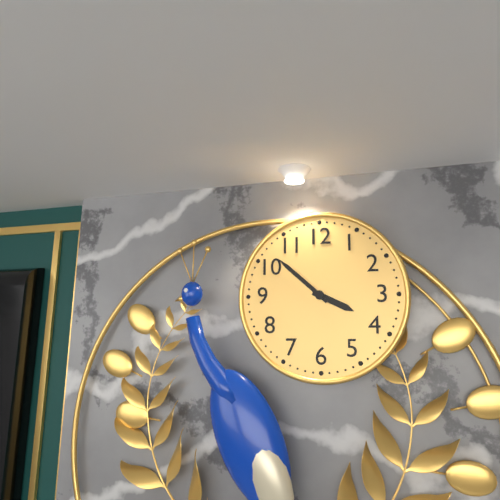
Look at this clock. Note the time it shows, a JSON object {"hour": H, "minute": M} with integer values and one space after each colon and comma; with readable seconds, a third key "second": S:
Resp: {"hour": 3, "minute": 52}
